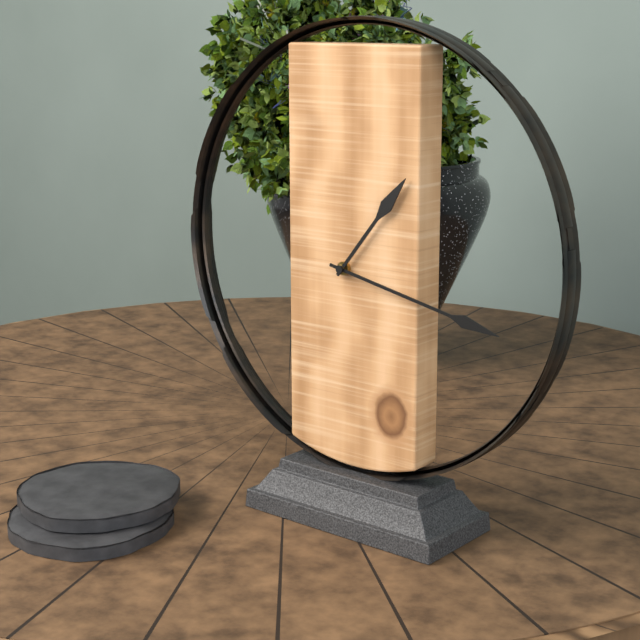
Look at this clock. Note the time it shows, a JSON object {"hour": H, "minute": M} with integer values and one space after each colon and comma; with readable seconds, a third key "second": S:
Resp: {"hour": 1, "minute": 17}
